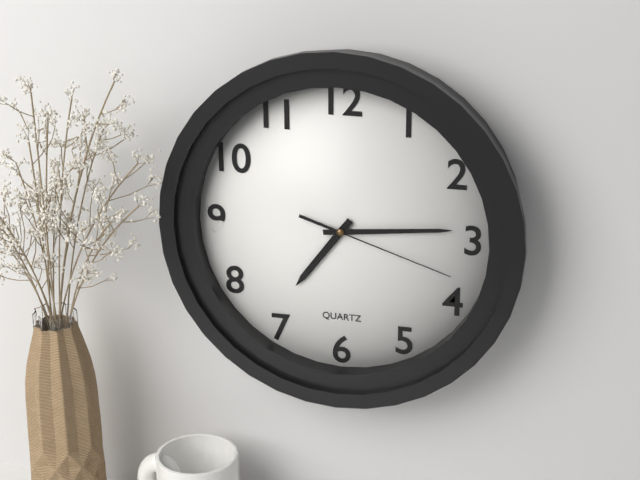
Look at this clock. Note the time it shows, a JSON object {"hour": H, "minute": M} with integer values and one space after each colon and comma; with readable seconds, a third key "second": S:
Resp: {"hour": 7, "minute": 14, "second": 18}
